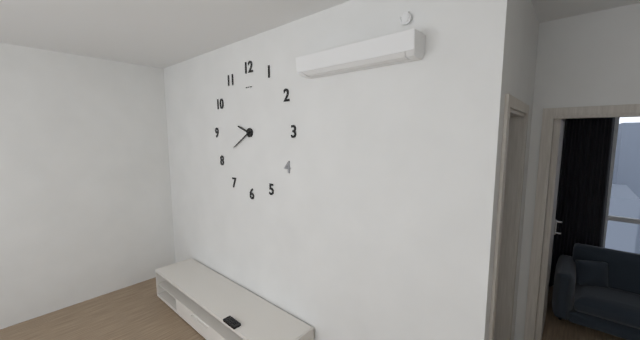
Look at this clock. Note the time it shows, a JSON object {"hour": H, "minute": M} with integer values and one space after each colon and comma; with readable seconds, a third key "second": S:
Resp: {"hour": 9, "minute": 40}
